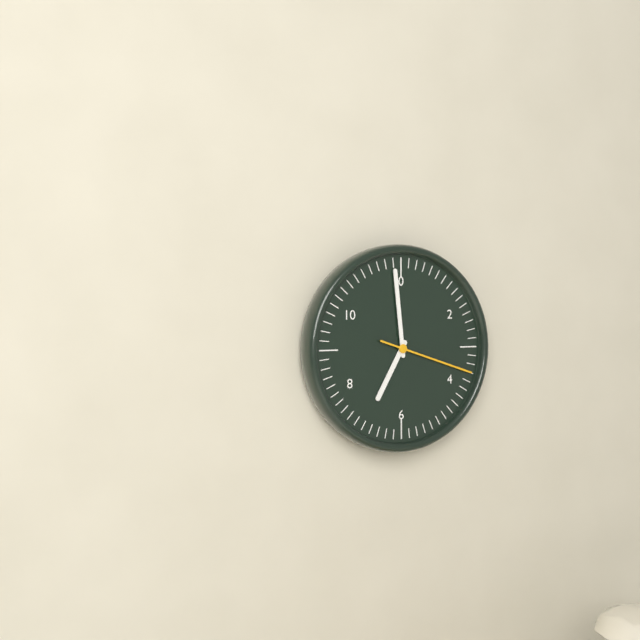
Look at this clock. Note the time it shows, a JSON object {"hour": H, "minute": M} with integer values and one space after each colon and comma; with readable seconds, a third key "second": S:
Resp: {"hour": 6, "minute": 59, "second": 18}
